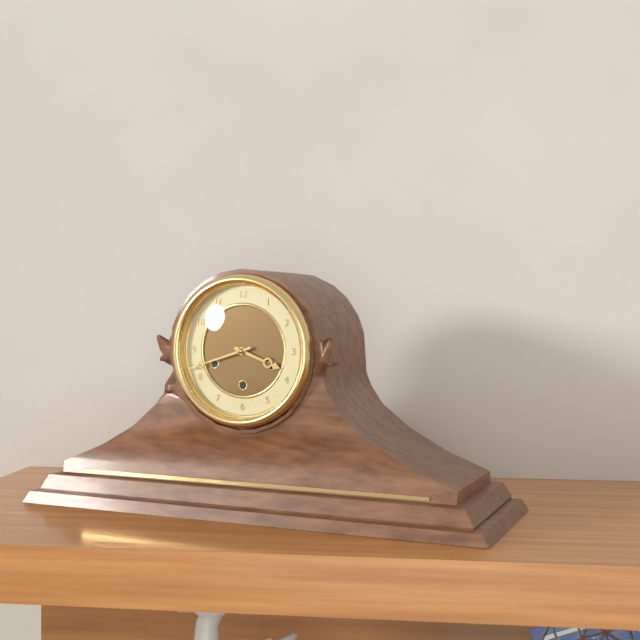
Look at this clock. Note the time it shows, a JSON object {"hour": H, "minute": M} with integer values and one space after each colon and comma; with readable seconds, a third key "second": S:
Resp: {"hour": 3, "minute": 42}
